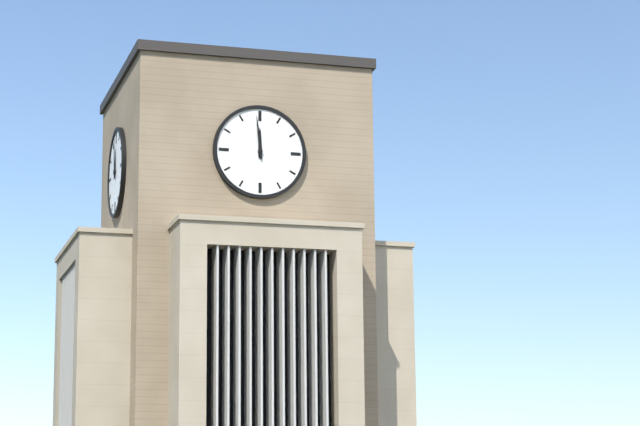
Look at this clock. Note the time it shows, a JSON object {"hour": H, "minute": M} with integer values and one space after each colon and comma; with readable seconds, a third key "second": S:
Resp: {"hour": 11, "minute": 59}
